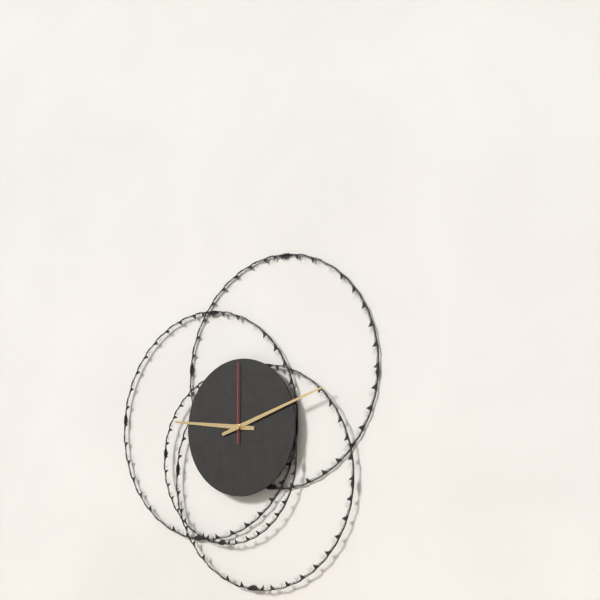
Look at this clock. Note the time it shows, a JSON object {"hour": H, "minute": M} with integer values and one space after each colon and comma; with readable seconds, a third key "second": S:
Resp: {"hour": 9, "minute": 12, "second": 0}
